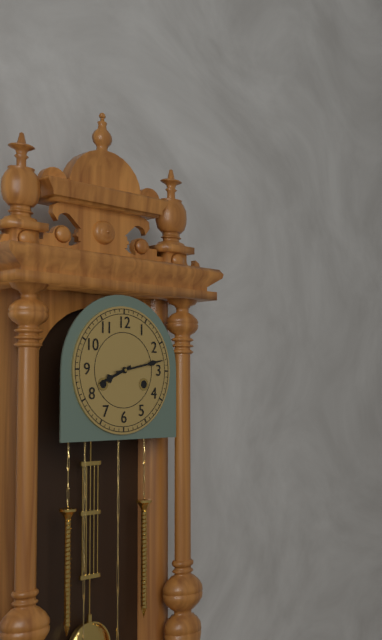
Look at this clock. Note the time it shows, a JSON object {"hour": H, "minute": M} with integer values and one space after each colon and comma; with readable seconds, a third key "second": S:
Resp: {"hour": 8, "minute": 13}
